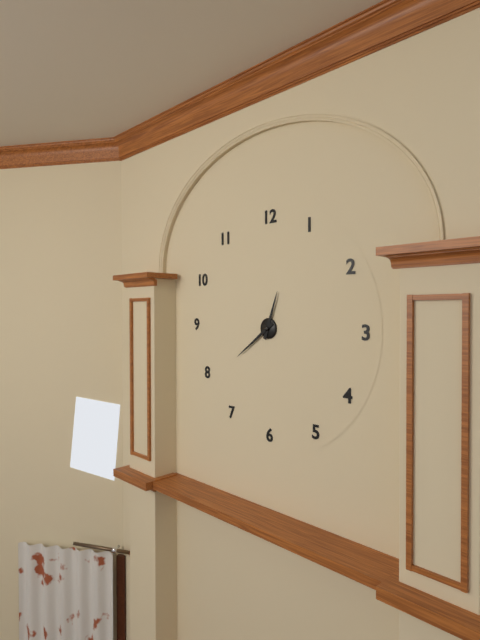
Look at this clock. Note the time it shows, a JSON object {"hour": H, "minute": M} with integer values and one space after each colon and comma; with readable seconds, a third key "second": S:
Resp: {"hour": 12, "minute": 39}
